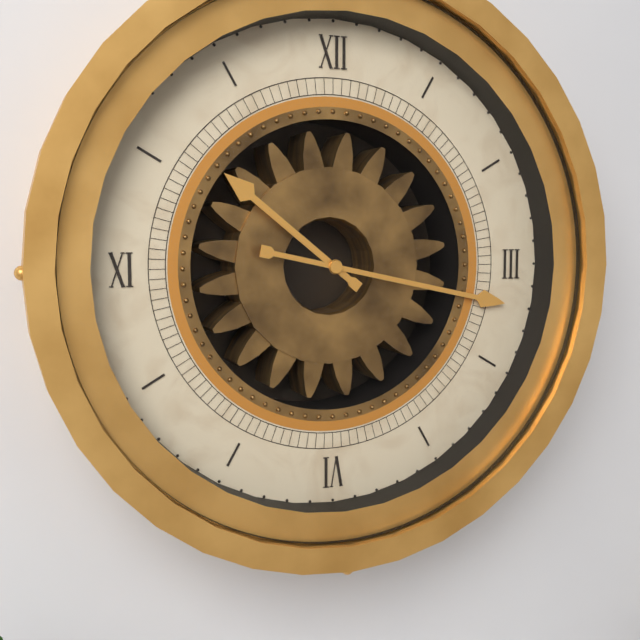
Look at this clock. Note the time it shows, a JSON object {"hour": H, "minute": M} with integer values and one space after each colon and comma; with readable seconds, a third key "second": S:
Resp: {"hour": 10, "minute": 17}
